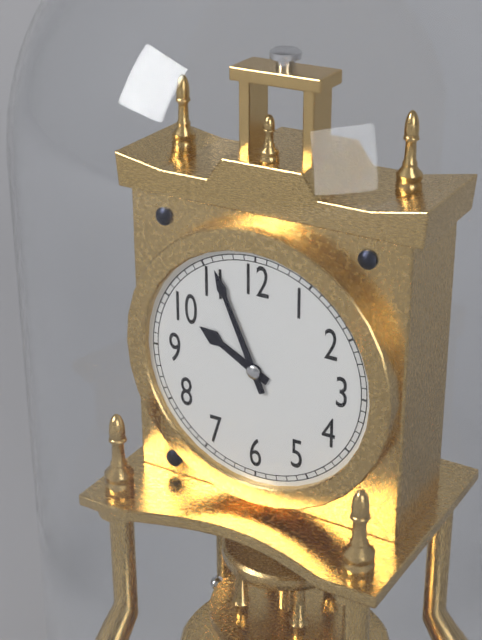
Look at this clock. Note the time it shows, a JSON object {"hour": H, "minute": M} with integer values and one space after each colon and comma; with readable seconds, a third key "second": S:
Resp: {"hour": 9, "minute": 56}
